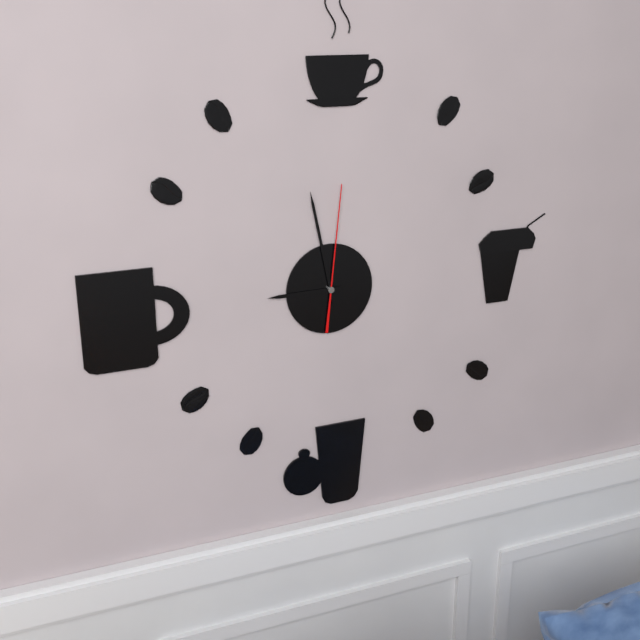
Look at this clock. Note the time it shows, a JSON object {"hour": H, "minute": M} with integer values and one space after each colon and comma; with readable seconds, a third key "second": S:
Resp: {"hour": 8, "minute": 58, "second": 1}
